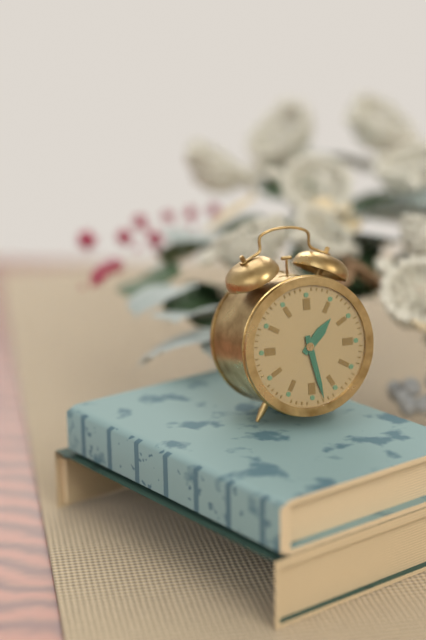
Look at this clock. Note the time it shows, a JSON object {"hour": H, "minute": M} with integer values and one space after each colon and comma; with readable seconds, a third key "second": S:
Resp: {"hour": 1, "minute": 28}
